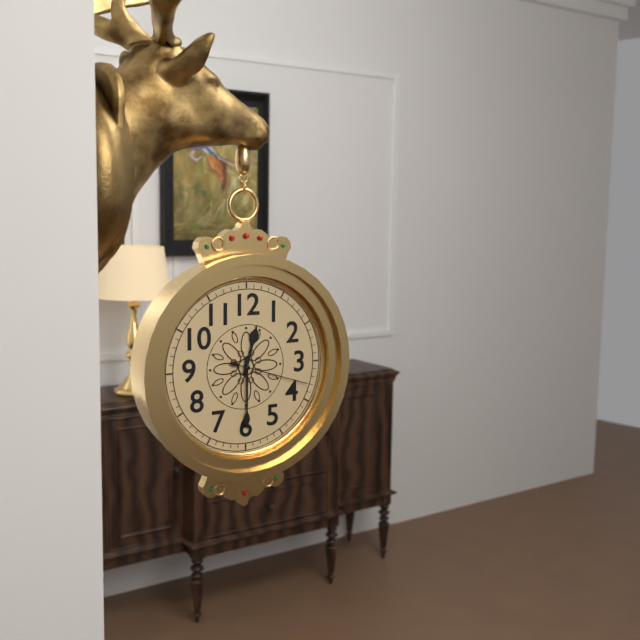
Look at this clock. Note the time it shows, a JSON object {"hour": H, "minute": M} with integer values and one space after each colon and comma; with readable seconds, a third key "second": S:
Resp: {"hour": 12, "minute": 30, "second": 18}
